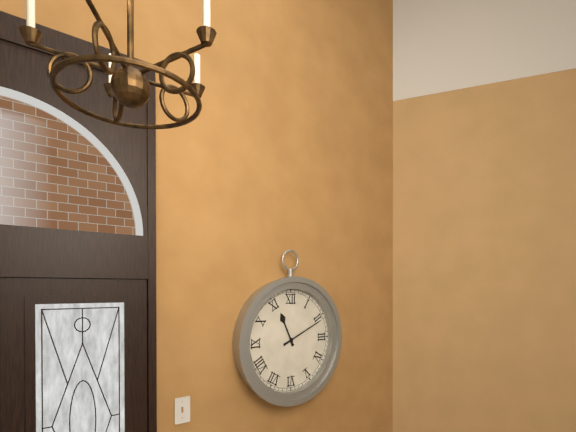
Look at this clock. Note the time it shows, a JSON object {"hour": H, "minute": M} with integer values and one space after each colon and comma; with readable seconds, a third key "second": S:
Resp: {"hour": 11, "minute": 11}
